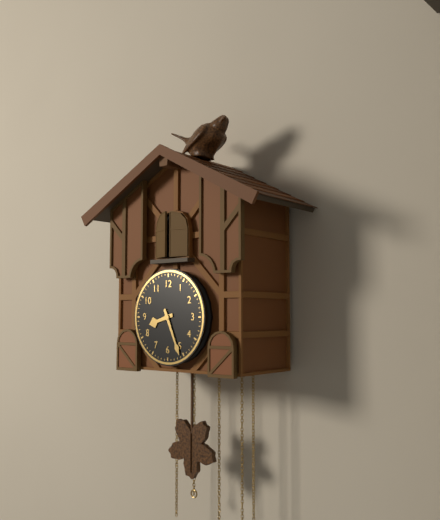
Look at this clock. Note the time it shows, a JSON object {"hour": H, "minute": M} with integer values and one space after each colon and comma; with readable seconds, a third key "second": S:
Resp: {"hour": 8, "minute": 26}
